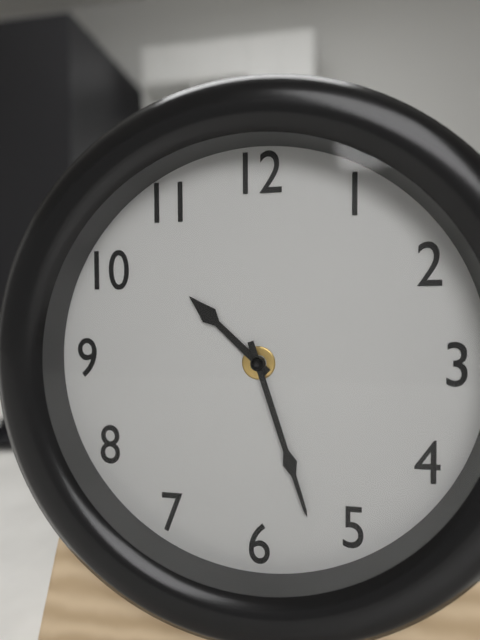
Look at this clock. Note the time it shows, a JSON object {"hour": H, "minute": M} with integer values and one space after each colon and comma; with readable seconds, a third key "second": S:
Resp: {"hour": 10, "minute": 27}
